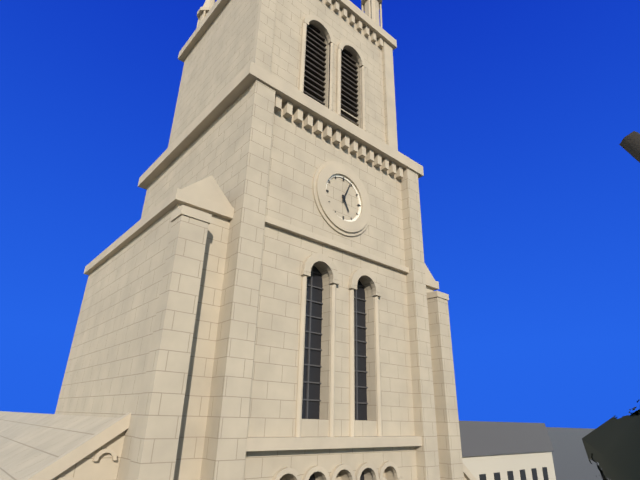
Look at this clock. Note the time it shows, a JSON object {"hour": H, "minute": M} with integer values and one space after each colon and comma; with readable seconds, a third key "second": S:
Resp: {"hour": 5, "minute": 4}
